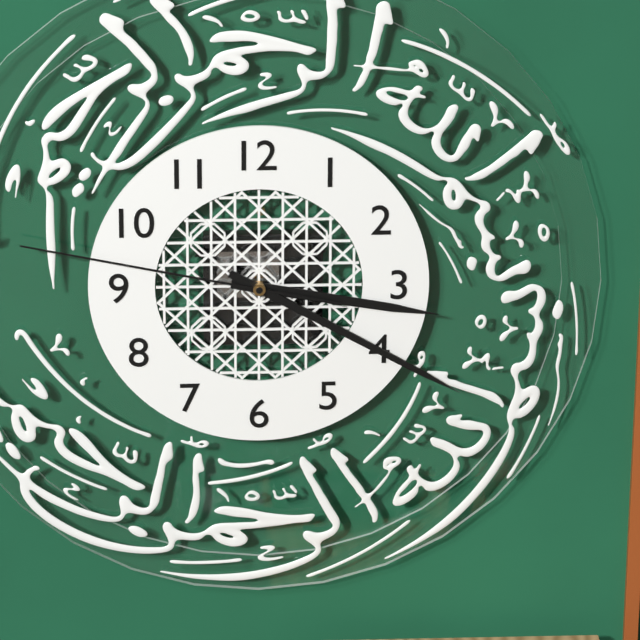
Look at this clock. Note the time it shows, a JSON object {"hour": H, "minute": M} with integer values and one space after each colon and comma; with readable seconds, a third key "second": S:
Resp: {"hour": 3, "minute": 20, "second": 47}
